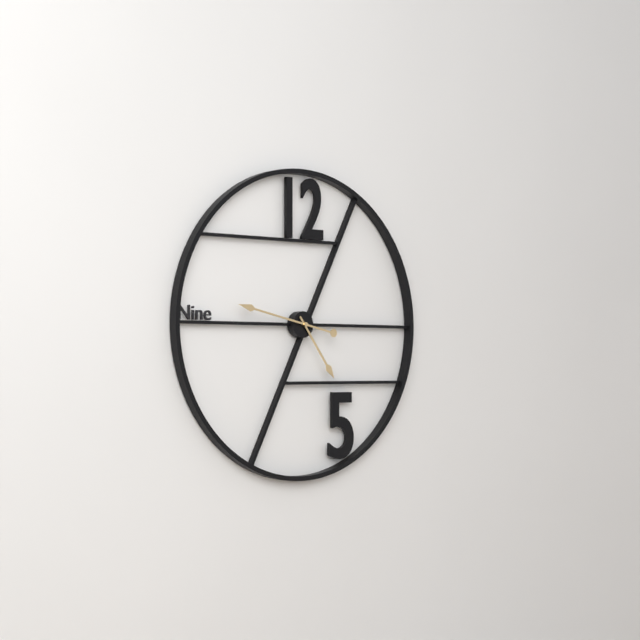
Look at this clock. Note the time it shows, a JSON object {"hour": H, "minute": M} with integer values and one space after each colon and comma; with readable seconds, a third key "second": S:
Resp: {"hour": 4, "minute": 47}
